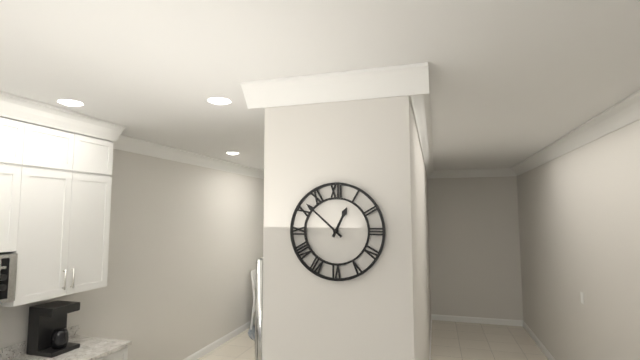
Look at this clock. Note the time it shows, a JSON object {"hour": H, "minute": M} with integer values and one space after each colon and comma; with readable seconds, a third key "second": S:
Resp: {"hour": 12, "minute": 52}
